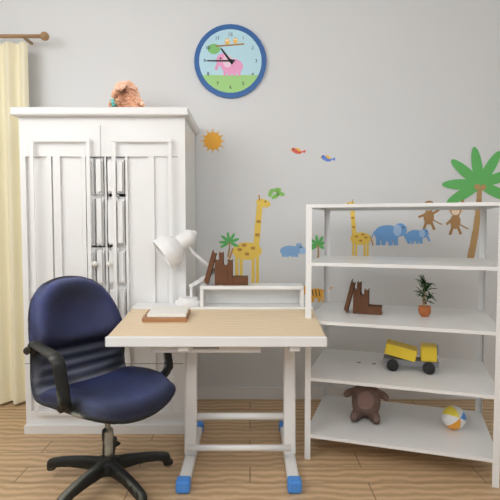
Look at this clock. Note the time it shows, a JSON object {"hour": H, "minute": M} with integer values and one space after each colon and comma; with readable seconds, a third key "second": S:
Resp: {"hour": 10, "minute": 45}
